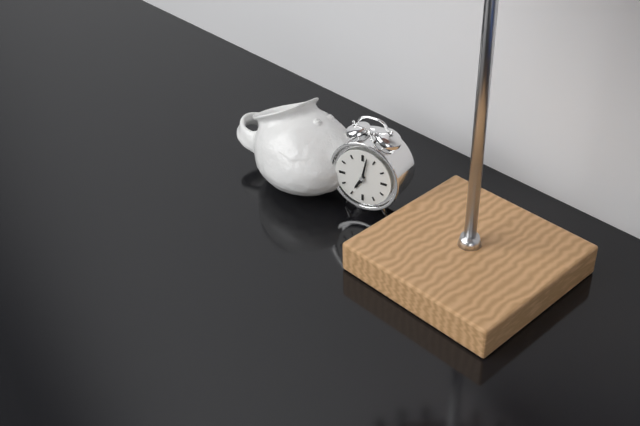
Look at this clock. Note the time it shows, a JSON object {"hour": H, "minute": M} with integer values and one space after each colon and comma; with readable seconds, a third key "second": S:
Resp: {"hour": 7, "minute": 2}
